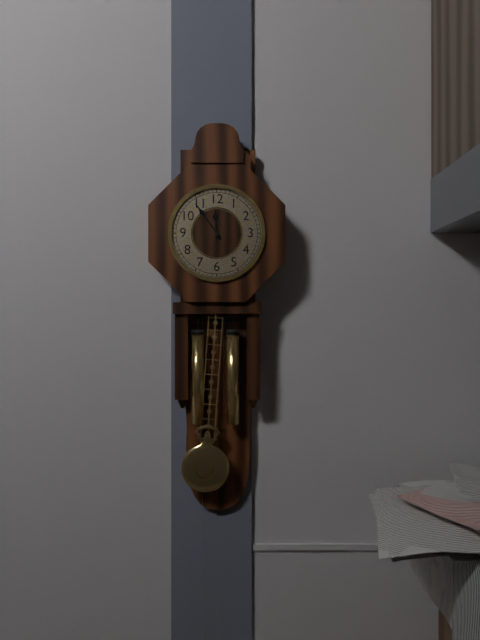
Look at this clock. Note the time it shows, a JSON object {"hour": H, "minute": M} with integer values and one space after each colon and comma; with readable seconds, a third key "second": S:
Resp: {"hour": 11, "minute": 54}
